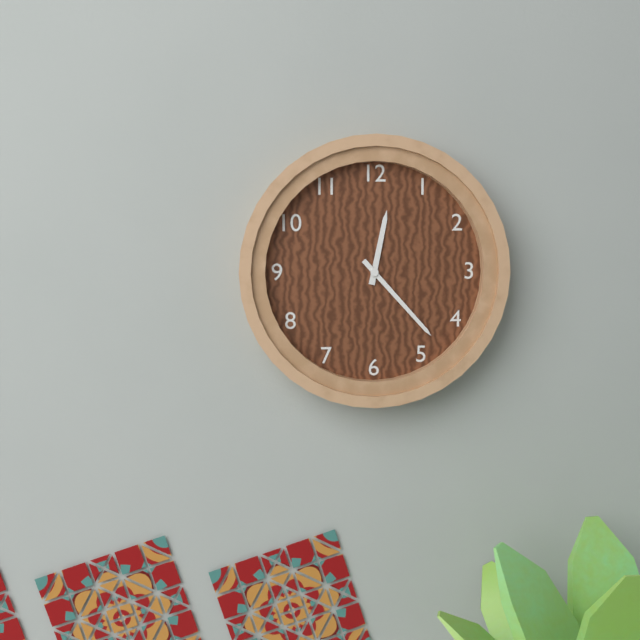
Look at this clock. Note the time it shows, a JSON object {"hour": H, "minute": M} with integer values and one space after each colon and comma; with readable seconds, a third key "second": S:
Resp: {"hour": 12, "minute": 23}
